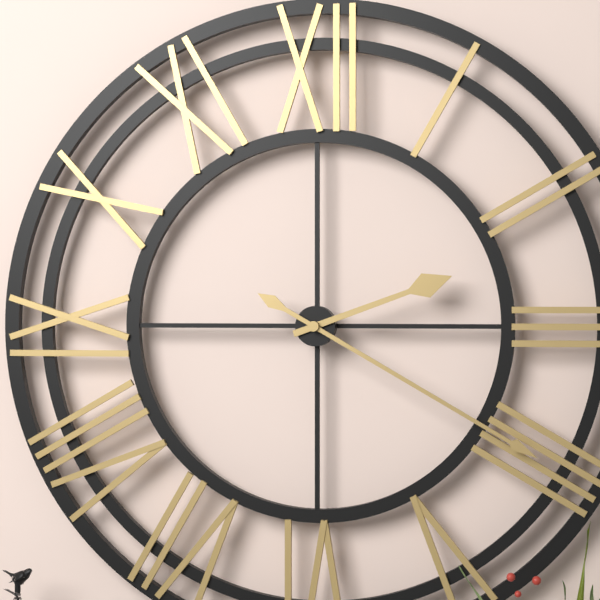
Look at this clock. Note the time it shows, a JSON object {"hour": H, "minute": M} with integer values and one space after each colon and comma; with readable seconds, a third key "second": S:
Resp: {"hour": 2, "minute": 20}
